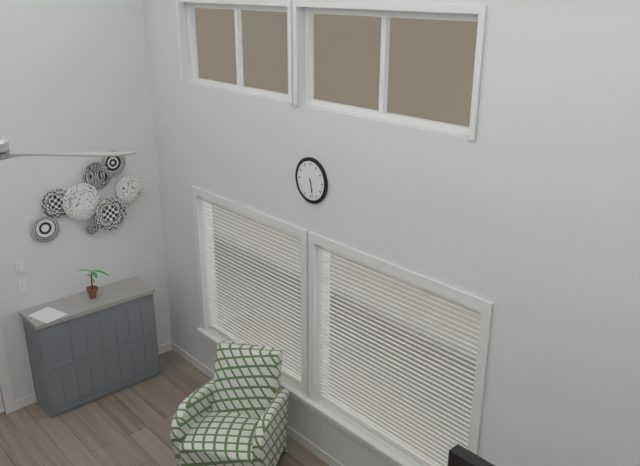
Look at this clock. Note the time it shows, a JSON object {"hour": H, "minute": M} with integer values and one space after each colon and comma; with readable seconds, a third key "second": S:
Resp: {"hour": 5, "minute": 28}
